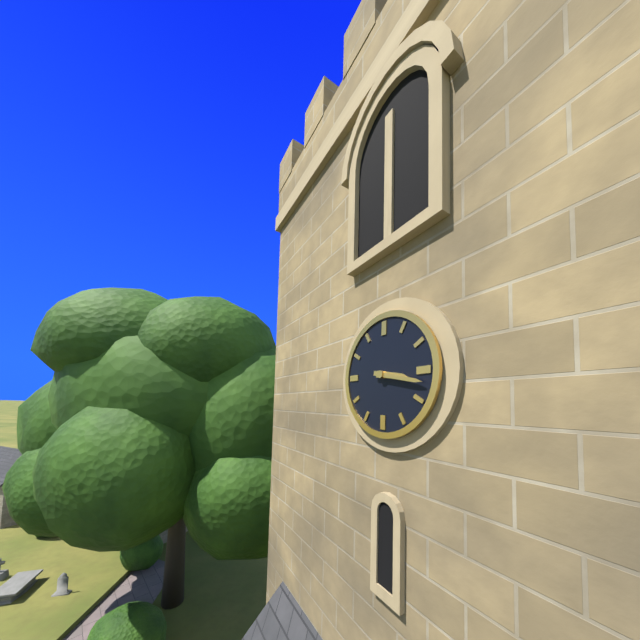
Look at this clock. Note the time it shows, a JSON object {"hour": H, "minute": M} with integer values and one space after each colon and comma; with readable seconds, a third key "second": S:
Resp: {"hour": 3, "minute": 17}
